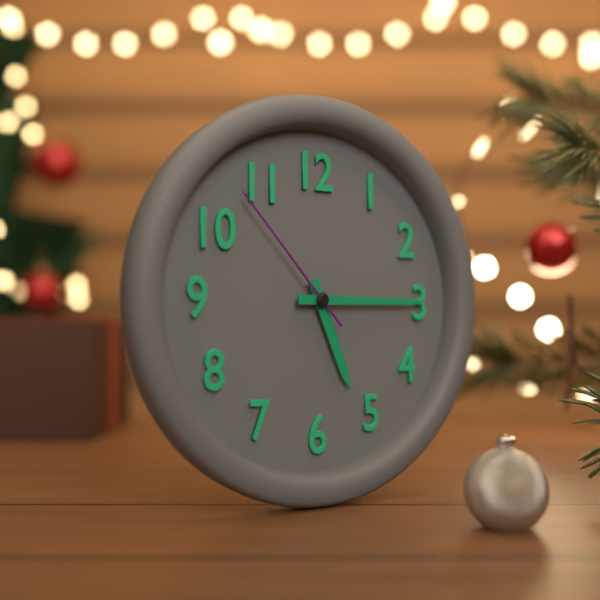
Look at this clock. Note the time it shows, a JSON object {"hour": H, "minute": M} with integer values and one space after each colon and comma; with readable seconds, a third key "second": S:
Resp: {"hour": 5, "minute": 15, "second": 53}
